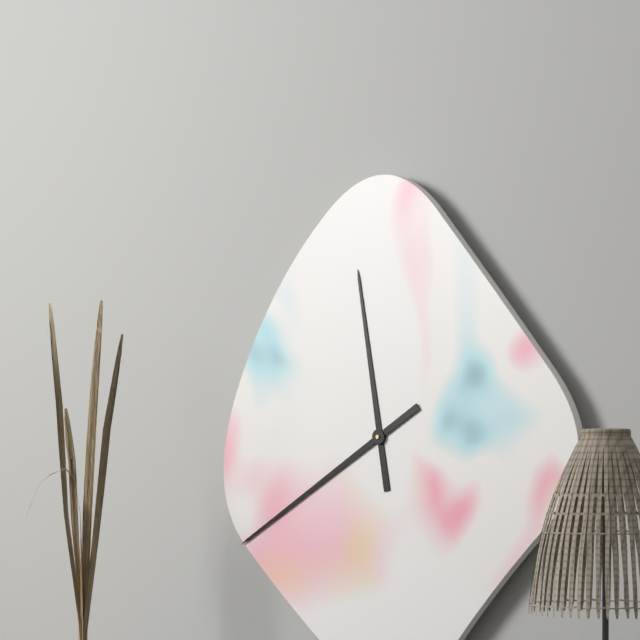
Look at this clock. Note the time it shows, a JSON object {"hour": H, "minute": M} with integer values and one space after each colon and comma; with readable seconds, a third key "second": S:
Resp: {"hour": 11, "minute": 40}
